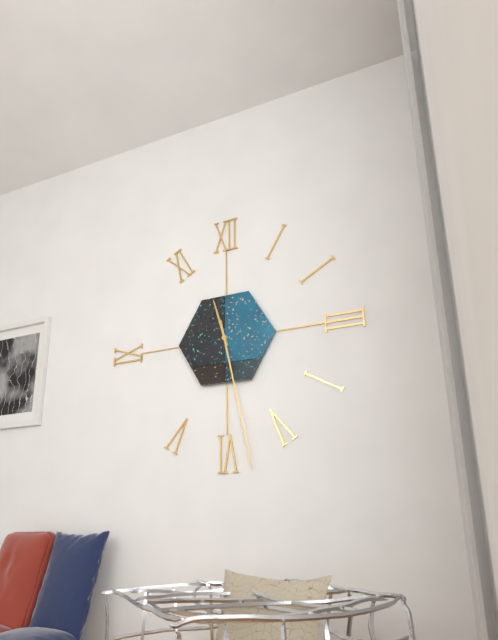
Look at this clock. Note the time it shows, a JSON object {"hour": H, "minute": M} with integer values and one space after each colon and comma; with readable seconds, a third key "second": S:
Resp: {"hour": 11, "minute": 28}
